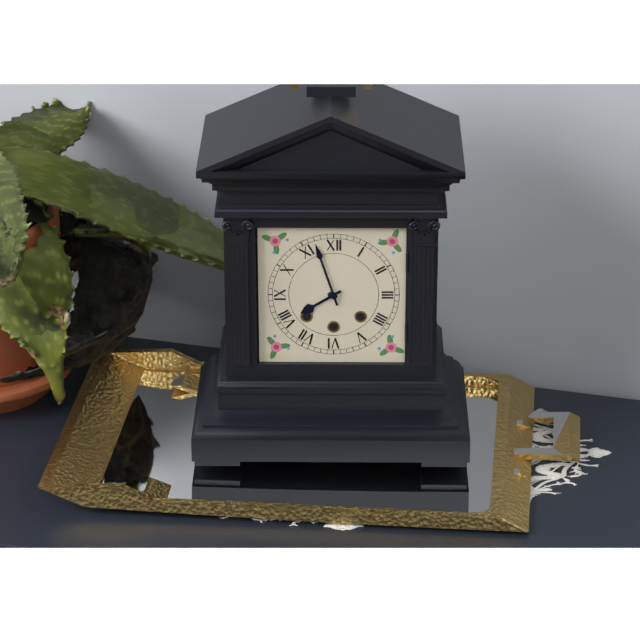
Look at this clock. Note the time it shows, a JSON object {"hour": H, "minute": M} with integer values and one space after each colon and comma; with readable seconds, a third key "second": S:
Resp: {"hour": 7, "minute": 57}
